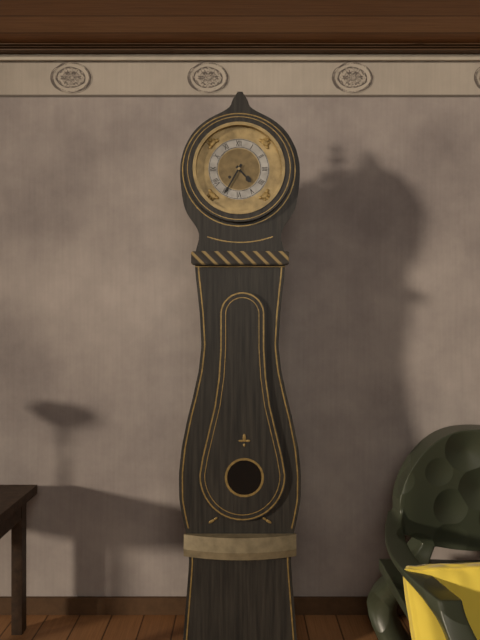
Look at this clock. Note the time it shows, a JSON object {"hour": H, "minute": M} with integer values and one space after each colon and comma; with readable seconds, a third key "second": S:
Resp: {"hour": 4, "minute": 35}
